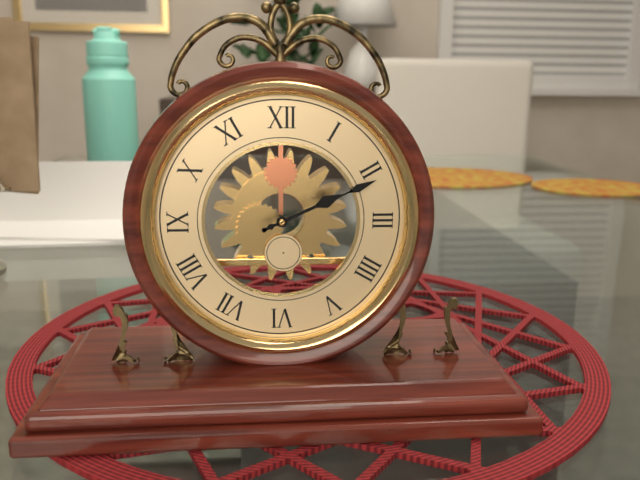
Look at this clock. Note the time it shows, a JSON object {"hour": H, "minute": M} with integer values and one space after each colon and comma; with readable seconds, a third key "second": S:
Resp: {"hour": 2, "minute": 11}
